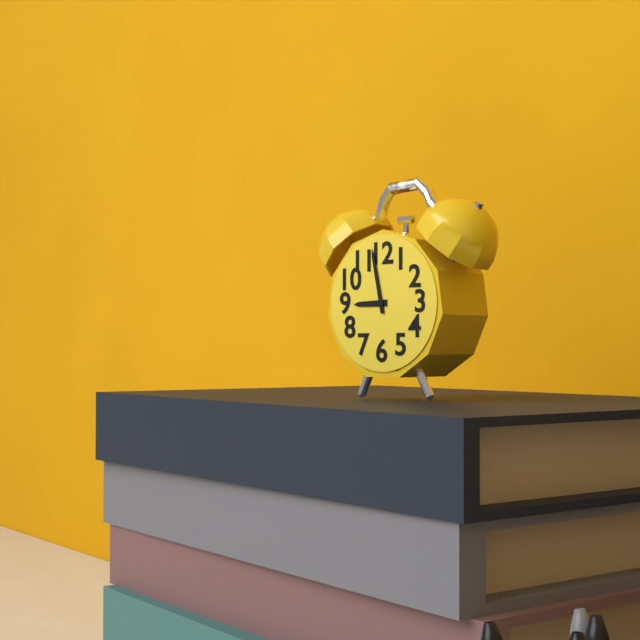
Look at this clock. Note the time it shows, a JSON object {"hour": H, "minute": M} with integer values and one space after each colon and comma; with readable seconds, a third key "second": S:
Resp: {"hour": 8, "minute": 58}
